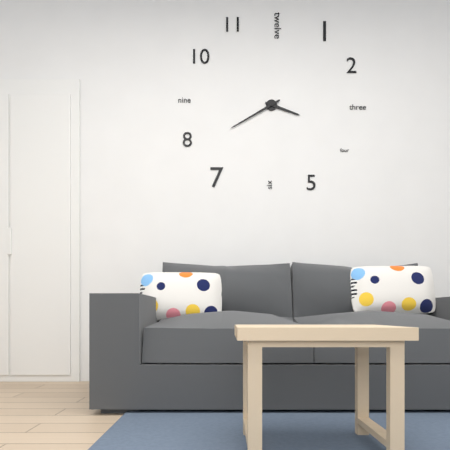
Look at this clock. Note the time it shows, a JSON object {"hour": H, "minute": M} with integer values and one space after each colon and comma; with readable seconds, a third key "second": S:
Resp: {"hour": 3, "minute": 40}
